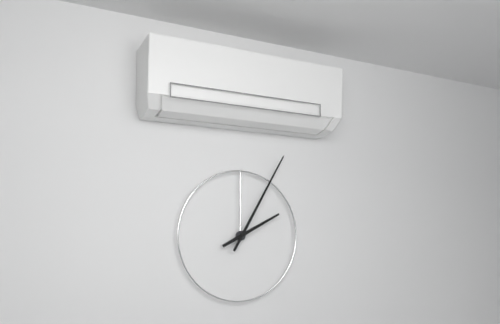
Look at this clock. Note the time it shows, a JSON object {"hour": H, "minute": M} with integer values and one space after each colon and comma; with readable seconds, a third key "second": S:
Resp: {"hour": 2, "minute": 5}
